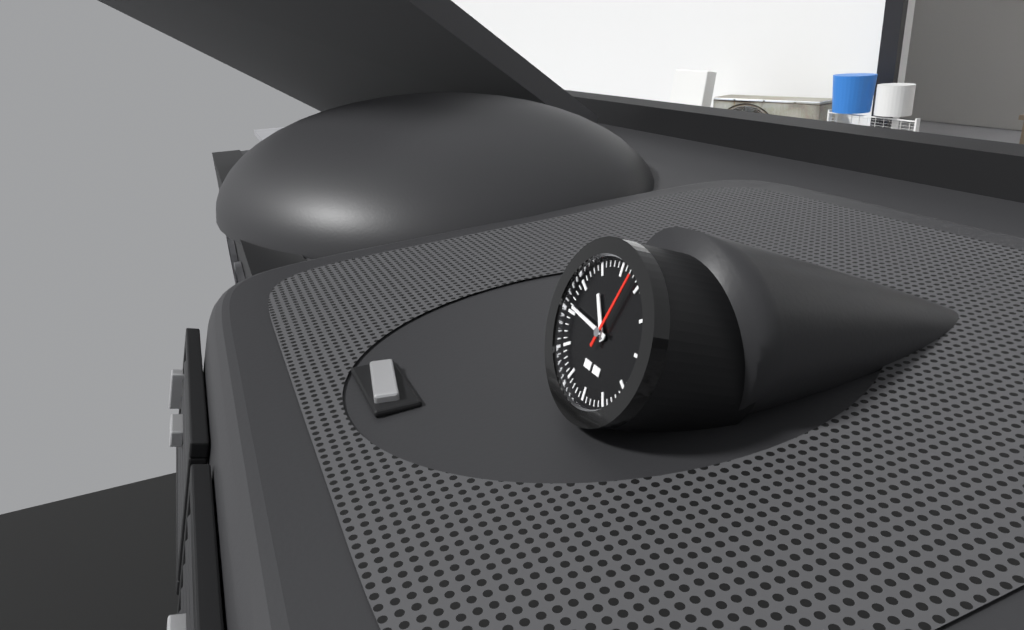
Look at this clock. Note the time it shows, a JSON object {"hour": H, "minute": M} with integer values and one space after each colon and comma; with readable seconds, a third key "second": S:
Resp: {"hour": 10, "minute": 46, "second": 3}
